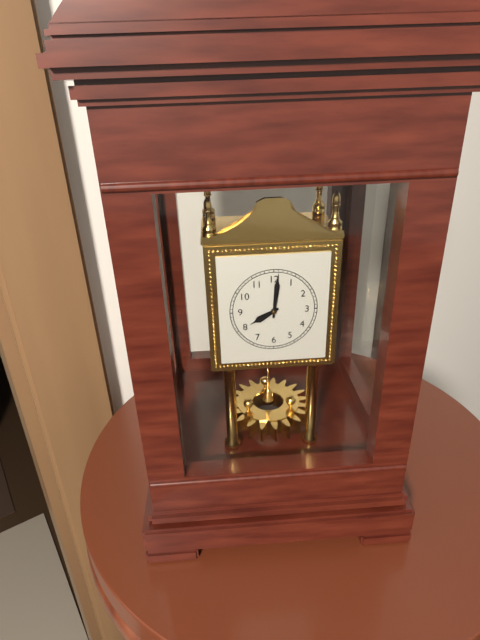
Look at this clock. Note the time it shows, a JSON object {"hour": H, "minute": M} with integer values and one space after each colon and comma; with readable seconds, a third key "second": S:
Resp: {"hour": 8, "minute": 1}
